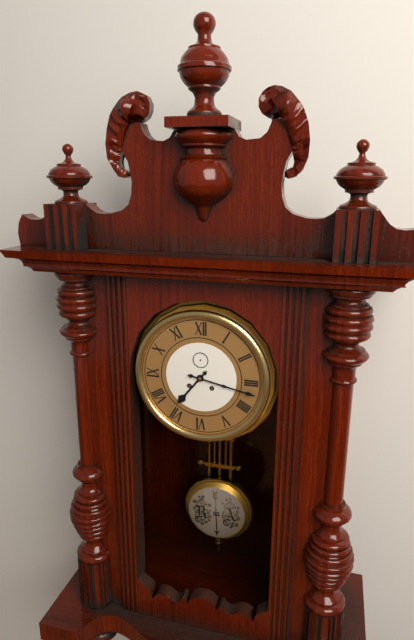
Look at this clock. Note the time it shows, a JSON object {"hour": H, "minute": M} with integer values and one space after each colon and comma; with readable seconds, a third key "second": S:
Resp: {"hour": 7, "minute": 17}
